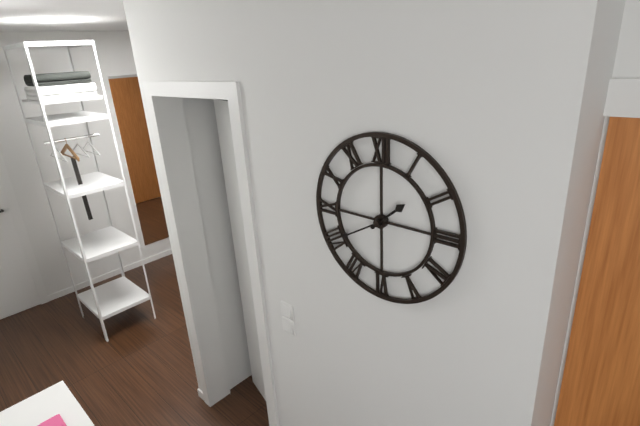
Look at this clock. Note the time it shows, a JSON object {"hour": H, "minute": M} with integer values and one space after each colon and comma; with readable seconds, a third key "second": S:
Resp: {"hour": 1, "minute": 40}
